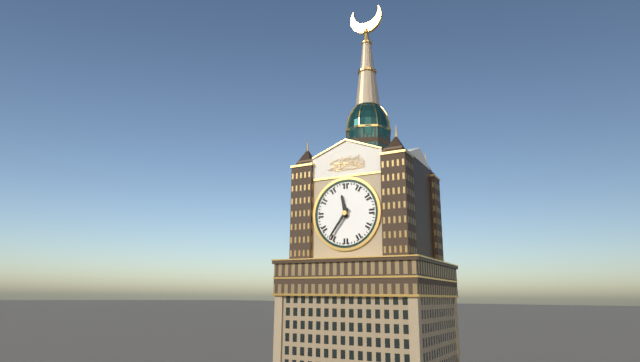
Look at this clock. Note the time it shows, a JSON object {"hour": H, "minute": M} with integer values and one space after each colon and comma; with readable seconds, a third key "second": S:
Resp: {"hour": 11, "minute": 36}
